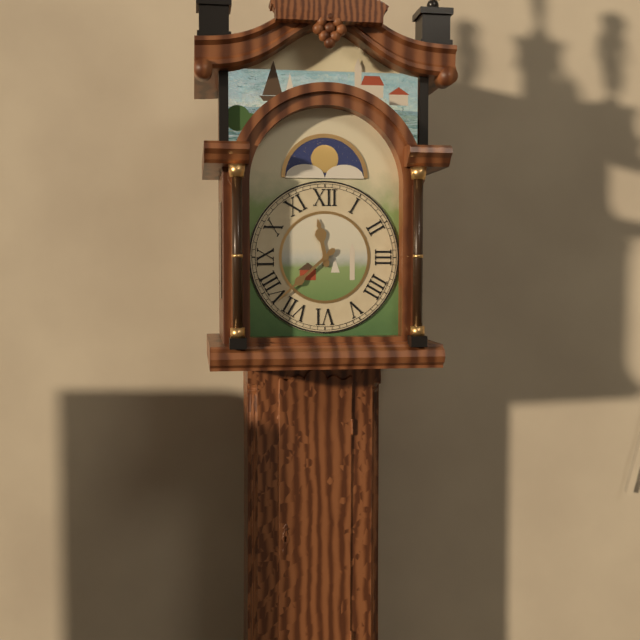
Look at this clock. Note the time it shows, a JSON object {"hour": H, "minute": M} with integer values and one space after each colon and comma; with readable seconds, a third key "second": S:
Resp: {"hour": 11, "minute": 38}
